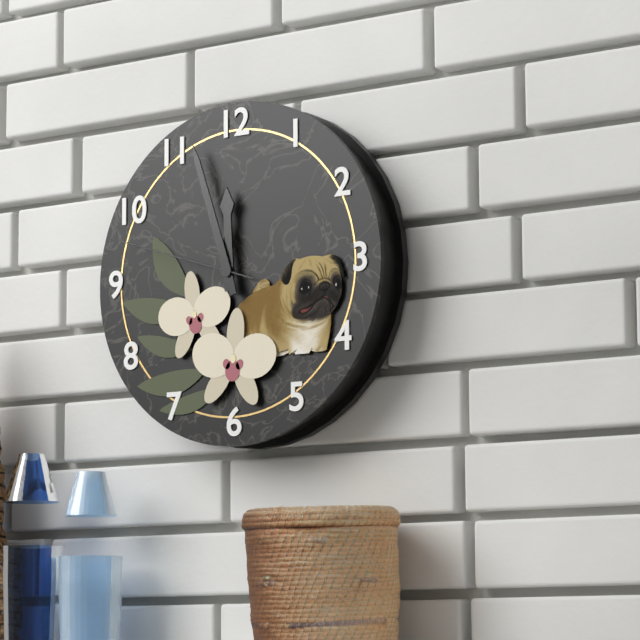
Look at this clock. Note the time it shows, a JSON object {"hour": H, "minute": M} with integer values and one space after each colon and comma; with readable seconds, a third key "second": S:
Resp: {"hour": 11, "minute": 57, "second": 48}
